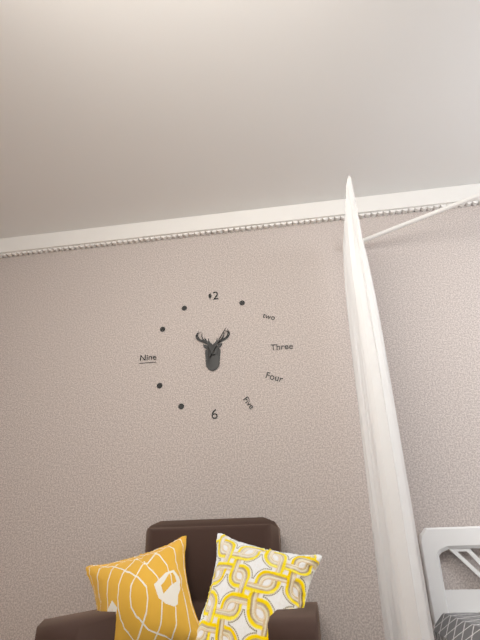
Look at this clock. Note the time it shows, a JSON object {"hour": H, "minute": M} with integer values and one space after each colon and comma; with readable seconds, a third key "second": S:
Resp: {"hour": 11, "minute": 5}
